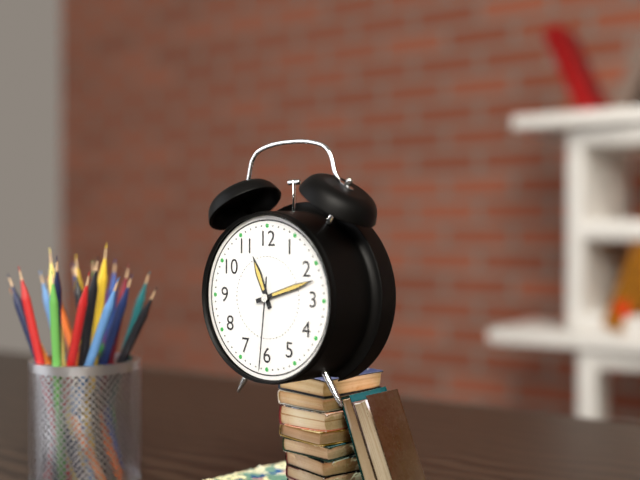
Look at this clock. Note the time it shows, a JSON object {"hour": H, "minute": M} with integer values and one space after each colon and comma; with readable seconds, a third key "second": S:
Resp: {"hour": 11, "minute": 12, "second": 31}
